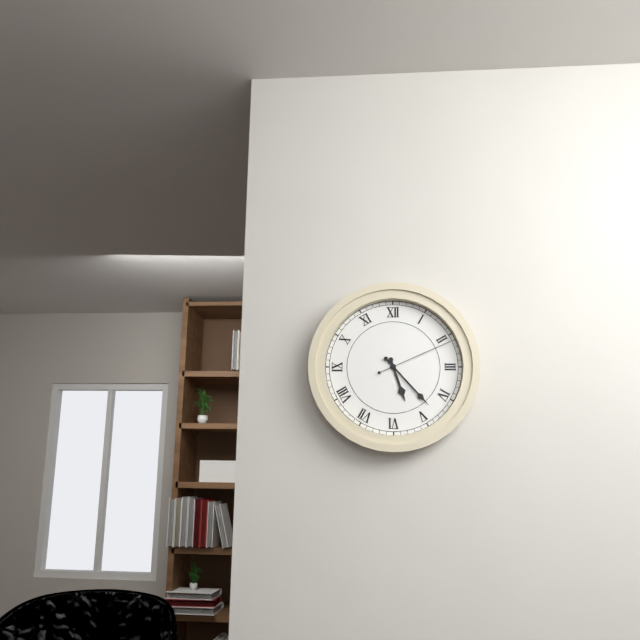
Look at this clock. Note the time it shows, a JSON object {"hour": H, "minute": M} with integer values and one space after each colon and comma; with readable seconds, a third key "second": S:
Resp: {"hour": 5, "minute": 23, "second": 11}
